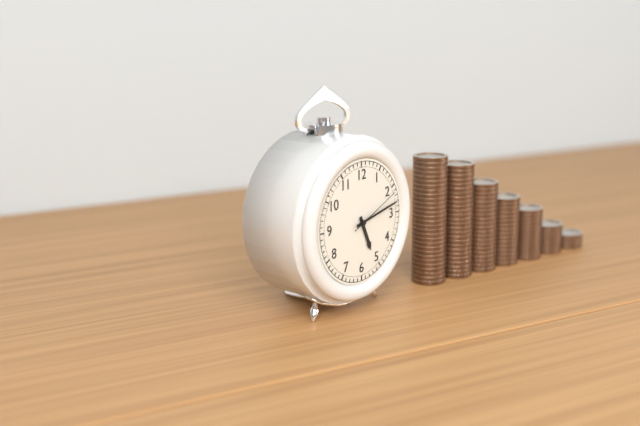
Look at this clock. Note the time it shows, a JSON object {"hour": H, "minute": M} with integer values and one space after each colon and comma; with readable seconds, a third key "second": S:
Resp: {"hour": 5, "minute": 13, "second": 11}
